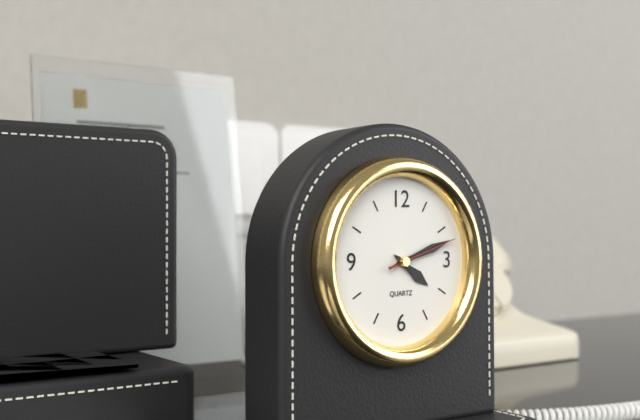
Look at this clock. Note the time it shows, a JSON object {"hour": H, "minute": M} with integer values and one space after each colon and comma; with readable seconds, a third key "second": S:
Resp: {"hour": 4, "minute": 12, "second": 12}
